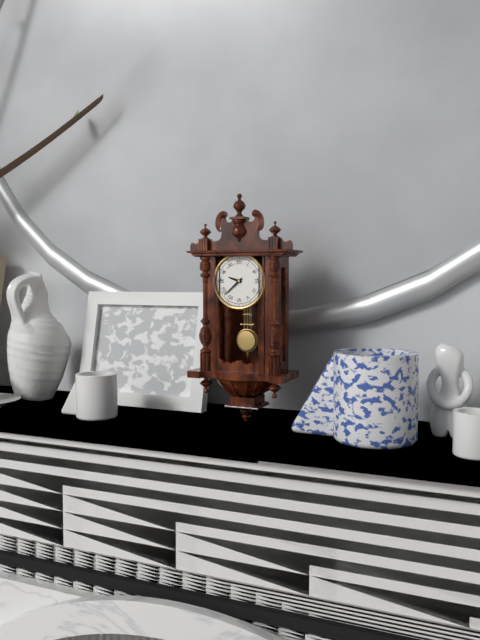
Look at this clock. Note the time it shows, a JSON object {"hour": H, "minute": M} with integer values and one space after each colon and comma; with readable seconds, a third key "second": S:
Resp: {"hour": 9, "minute": 38}
